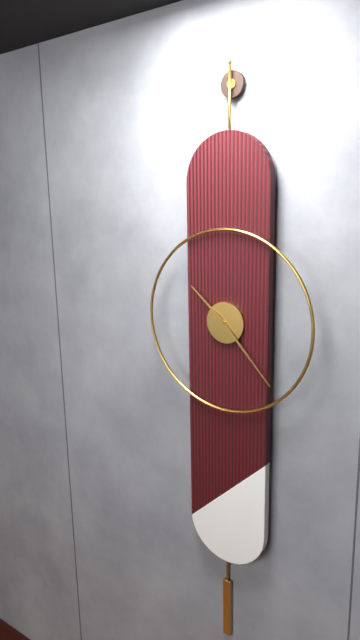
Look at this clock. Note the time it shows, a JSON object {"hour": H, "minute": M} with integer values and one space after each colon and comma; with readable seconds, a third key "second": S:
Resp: {"hour": 10, "minute": 23}
